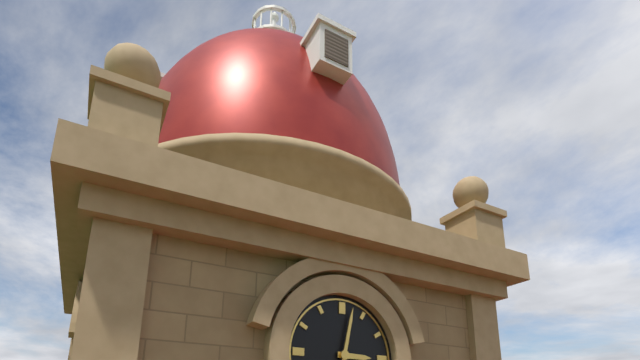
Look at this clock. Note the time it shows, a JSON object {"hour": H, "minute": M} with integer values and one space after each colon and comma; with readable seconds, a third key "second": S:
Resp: {"hour": 3, "minute": 2}
